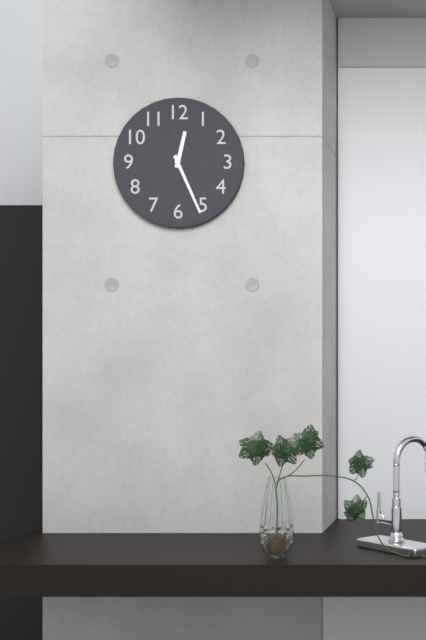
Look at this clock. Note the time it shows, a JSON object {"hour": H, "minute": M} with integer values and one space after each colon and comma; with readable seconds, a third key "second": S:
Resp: {"hour": 12, "minute": 26}
